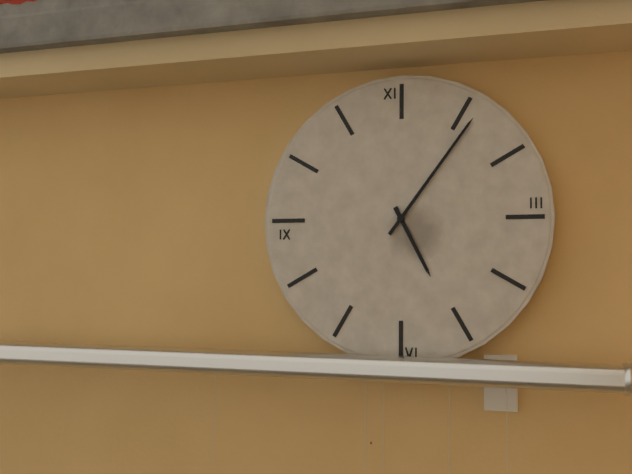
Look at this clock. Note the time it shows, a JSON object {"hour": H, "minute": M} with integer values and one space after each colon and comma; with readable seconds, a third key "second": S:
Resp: {"hour": 5, "minute": 6}
